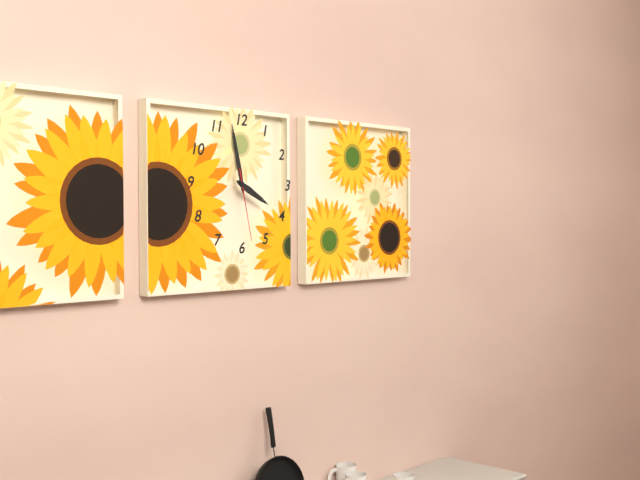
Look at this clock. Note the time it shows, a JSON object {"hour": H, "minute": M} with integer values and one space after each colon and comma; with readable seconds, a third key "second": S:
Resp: {"hour": 3, "minute": 58, "second": 28}
